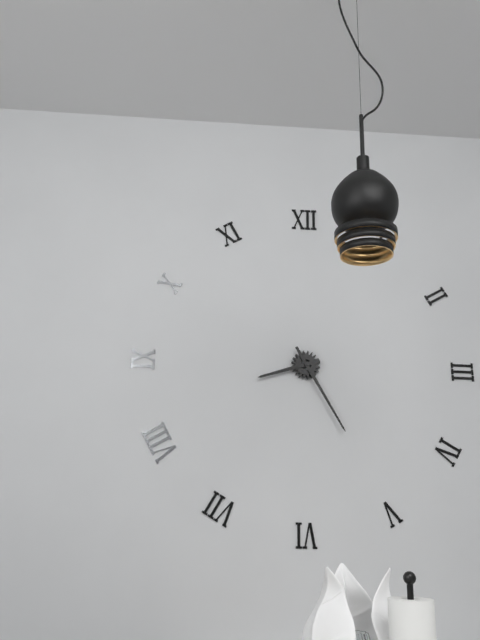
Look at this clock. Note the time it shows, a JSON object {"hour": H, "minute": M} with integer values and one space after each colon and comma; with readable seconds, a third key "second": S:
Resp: {"hour": 8, "minute": 25}
